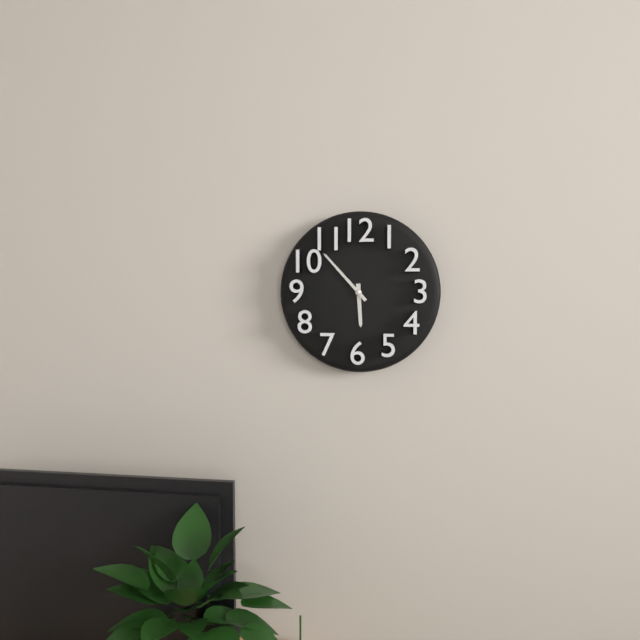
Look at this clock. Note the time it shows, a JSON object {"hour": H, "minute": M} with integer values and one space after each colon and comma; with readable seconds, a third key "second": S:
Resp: {"hour": 5, "minute": 53}
